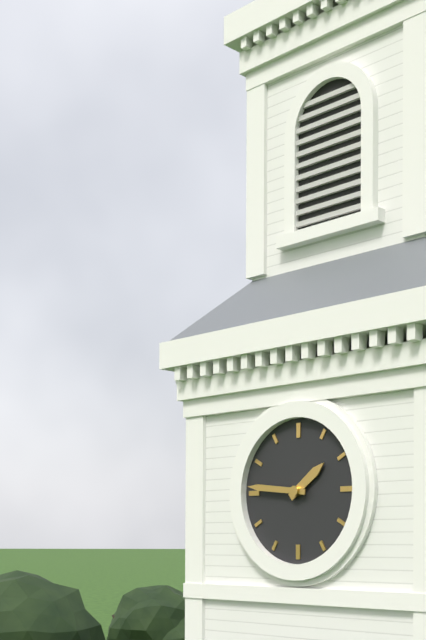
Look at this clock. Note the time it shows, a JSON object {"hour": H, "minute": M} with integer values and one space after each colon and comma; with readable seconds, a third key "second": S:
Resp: {"hour": 1, "minute": 46}
